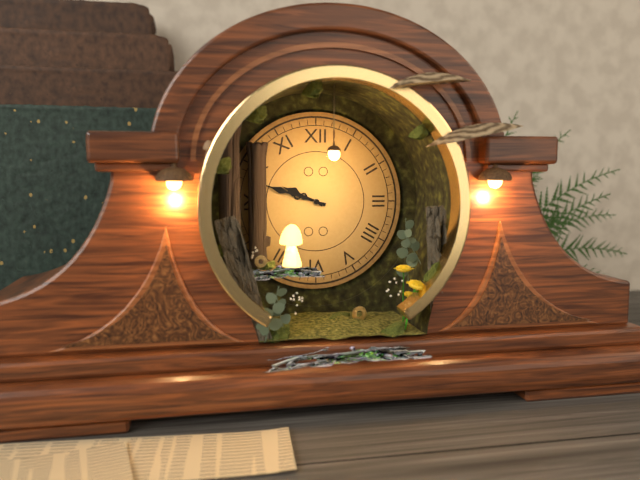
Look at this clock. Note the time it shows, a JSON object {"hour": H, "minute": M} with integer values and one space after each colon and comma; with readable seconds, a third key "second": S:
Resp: {"hour": 9, "minute": 48}
